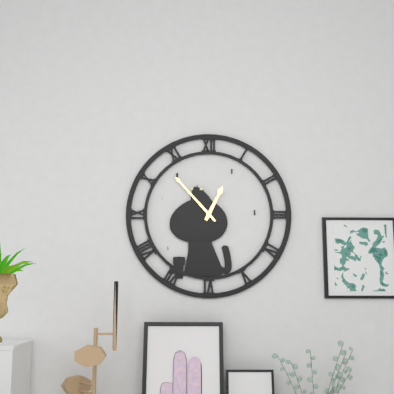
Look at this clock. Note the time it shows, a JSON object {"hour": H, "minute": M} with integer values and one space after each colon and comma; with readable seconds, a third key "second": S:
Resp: {"hour": 12, "minute": 53}
